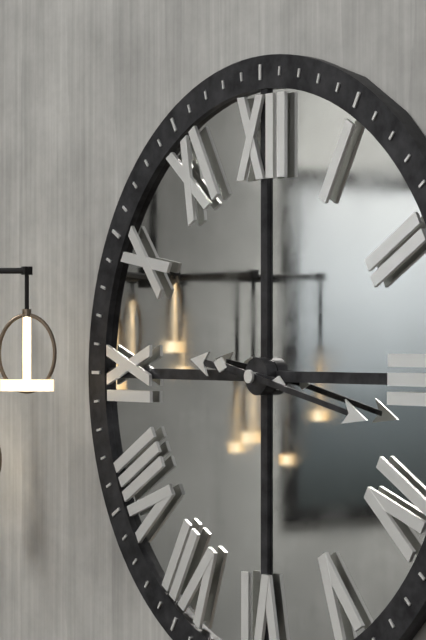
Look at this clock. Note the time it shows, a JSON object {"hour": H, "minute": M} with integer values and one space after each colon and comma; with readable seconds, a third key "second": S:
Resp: {"hour": 9, "minute": 17}
